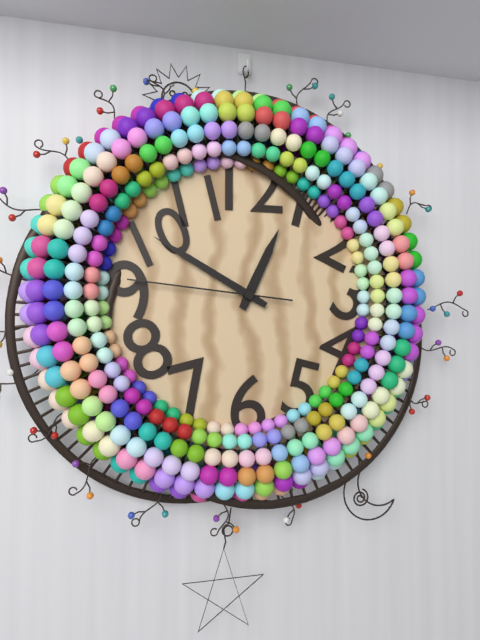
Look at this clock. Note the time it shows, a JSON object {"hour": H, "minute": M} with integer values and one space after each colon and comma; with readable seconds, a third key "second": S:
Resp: {"hour": 12, "minute": 50, "second": 46}
